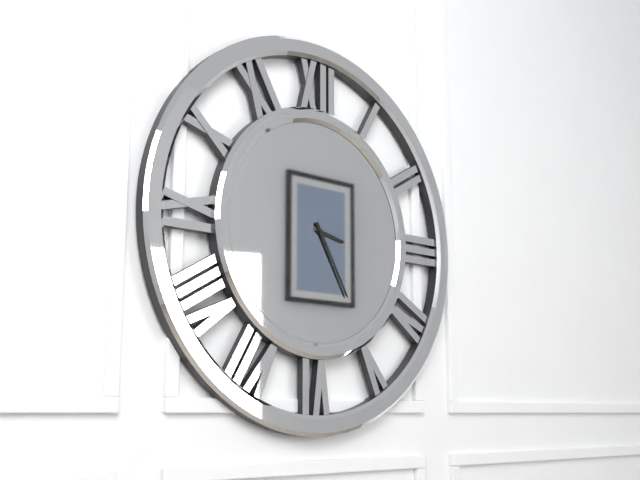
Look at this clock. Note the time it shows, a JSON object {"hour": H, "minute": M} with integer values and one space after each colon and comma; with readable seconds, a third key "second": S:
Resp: {"hour": 3, "minute": 25}
